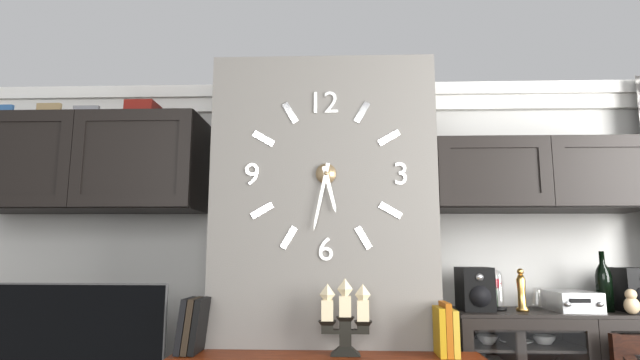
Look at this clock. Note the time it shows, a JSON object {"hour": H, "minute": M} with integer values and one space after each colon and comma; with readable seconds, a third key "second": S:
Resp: {"hour": 5, "minute": 32}
